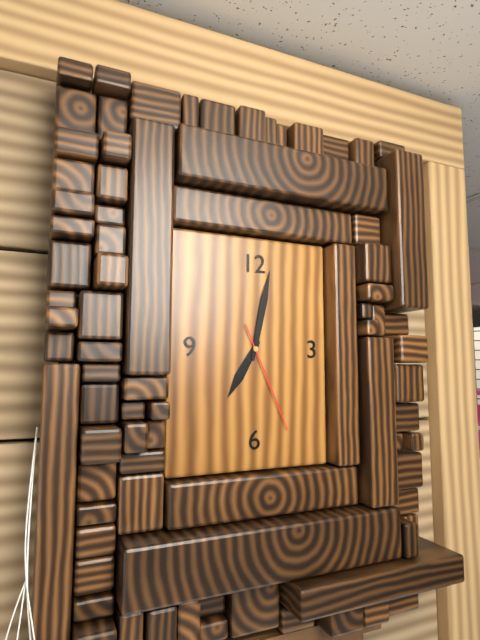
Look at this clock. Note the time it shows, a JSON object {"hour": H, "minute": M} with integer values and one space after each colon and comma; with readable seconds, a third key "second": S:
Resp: {"hour": 7, "minute": 2, "second": 26}
